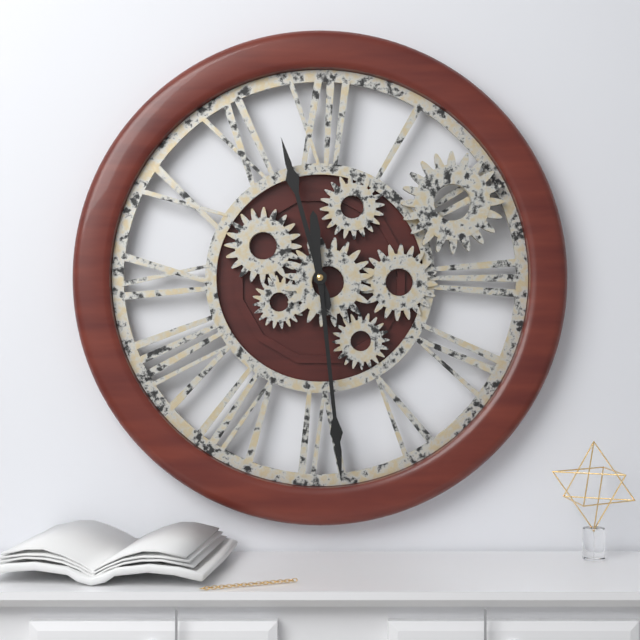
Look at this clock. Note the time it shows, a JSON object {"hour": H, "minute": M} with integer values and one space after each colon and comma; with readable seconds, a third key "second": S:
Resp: {"hour": 11, "minute": 29}
